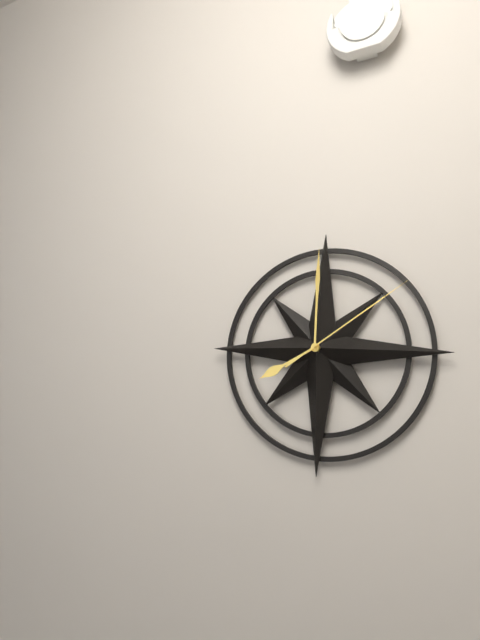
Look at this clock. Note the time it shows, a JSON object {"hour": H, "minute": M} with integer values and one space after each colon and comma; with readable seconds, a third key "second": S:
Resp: {"hour": 8, "minute": 0, "second": 9}
